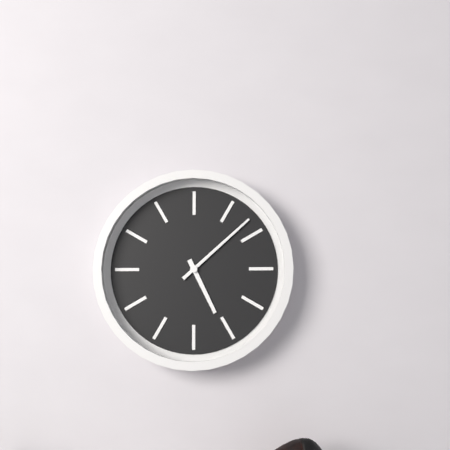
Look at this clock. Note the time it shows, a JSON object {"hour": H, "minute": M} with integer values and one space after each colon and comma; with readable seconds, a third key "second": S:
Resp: {"hour": 5, "minute": 8}
